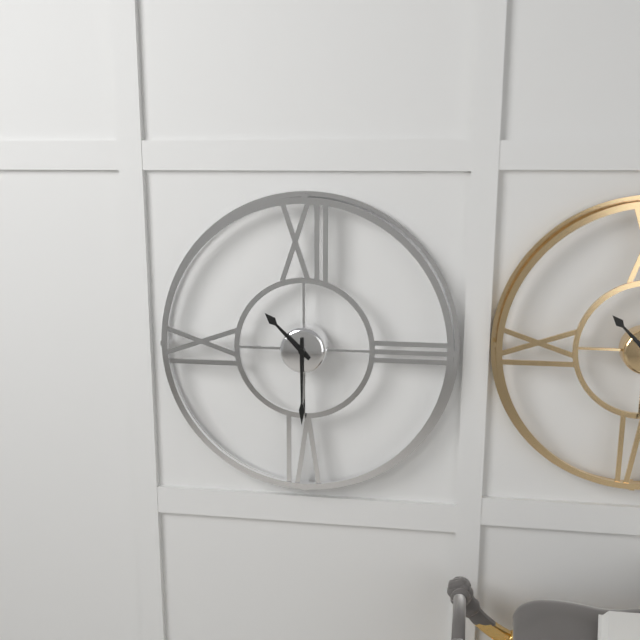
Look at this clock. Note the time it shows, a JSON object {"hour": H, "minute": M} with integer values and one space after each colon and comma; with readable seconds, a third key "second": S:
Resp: {"hour": 10, "minute": 30}
